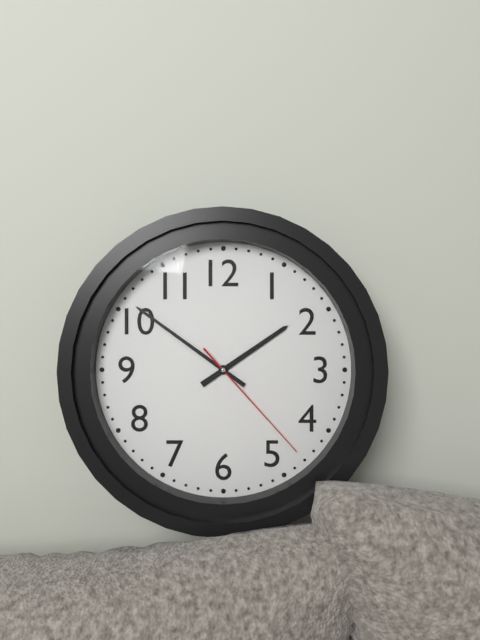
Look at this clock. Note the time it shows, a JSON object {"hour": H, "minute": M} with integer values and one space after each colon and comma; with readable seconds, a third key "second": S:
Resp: {"hour": 1, "minute": 51, "second": 23}
